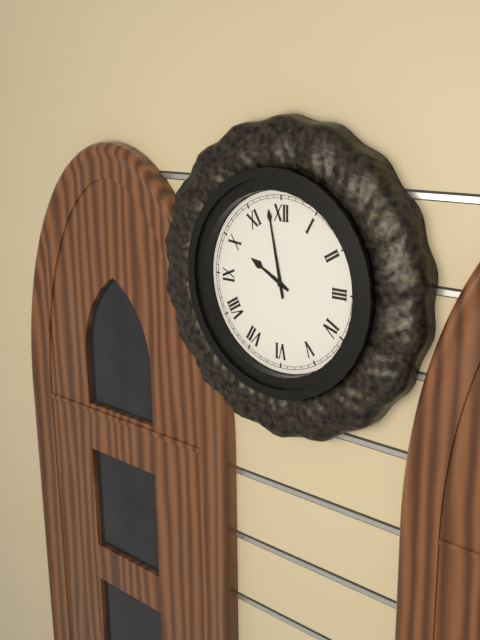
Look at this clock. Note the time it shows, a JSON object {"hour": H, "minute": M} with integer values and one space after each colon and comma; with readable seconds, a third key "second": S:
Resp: {"hour": 9, "minute": 58}
